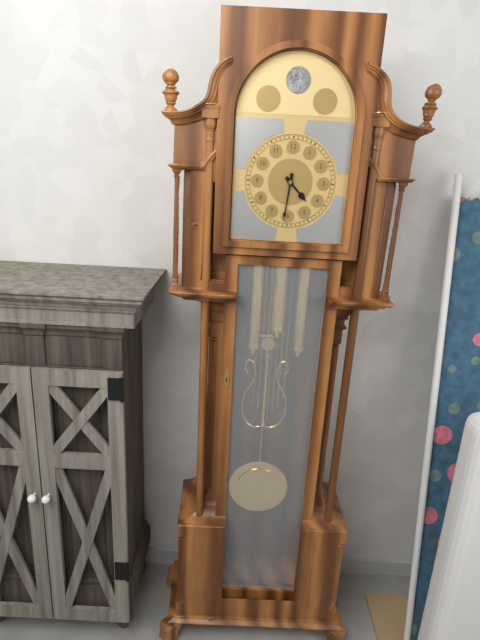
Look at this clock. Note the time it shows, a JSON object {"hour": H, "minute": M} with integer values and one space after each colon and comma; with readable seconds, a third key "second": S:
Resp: {"hour": 4, "minute": 31}
